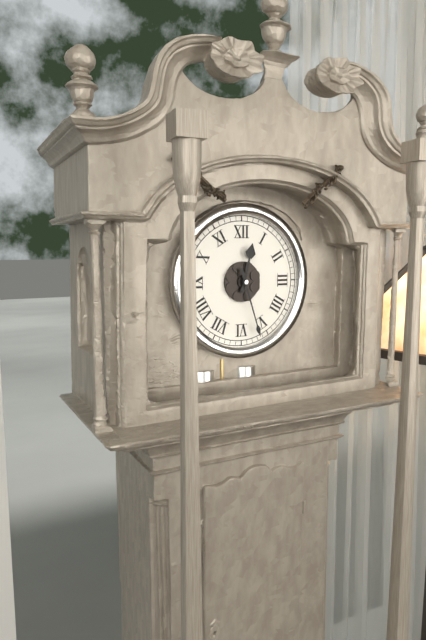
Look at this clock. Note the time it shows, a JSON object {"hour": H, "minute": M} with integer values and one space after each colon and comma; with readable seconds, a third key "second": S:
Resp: {"hour": 12, "minute": 27}
